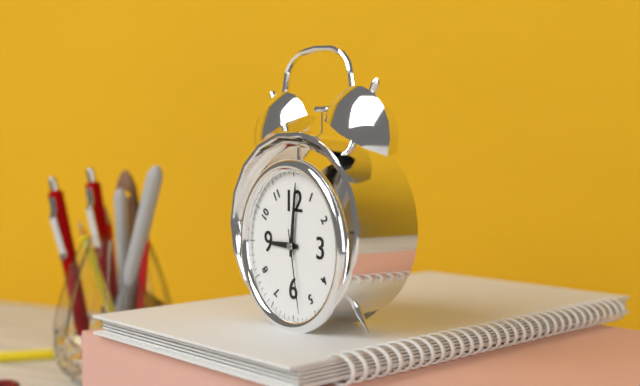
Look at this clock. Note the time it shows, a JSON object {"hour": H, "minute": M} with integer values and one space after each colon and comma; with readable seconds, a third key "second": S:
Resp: {"hour": 9, "minute": 1, "second": 28}
